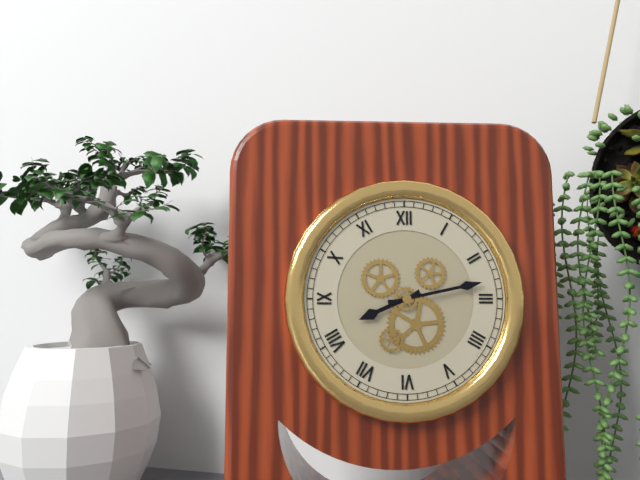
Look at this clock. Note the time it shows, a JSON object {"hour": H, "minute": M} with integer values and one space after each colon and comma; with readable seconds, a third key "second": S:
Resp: {"hour": 8, "minute": 13}
